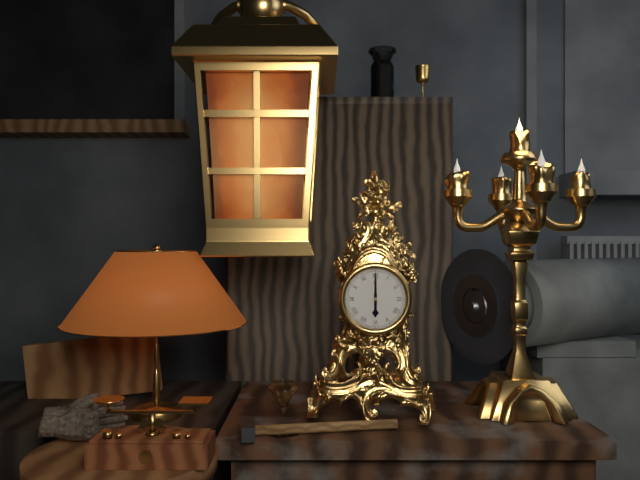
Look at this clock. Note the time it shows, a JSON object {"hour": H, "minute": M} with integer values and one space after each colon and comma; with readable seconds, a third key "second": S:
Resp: {"hour": 6, "minute": 0}
